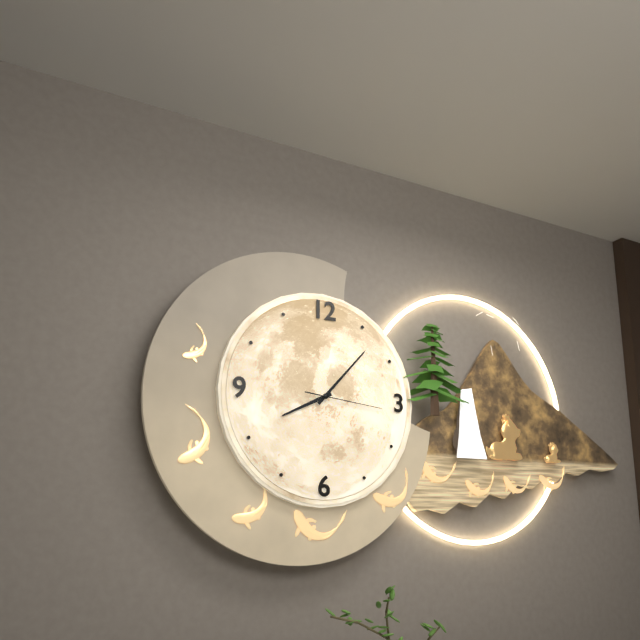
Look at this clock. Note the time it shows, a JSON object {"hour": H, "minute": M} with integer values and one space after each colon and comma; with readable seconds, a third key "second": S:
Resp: {"hour": 8, "minute": 7, "second": 16}
